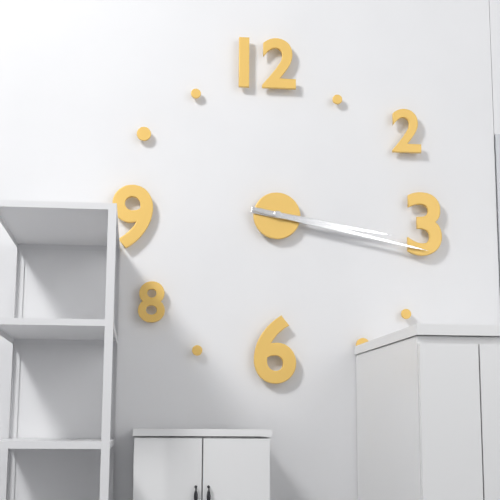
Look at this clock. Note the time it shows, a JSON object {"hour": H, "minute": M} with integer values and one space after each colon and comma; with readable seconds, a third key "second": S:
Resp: {"hour": 3, "minute": 17}
